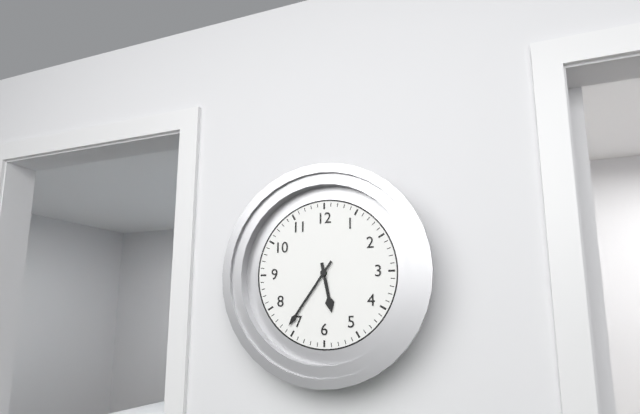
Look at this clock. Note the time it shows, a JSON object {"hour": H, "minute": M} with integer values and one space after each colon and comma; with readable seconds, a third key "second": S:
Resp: {"hour": 5, "minute": 36}
